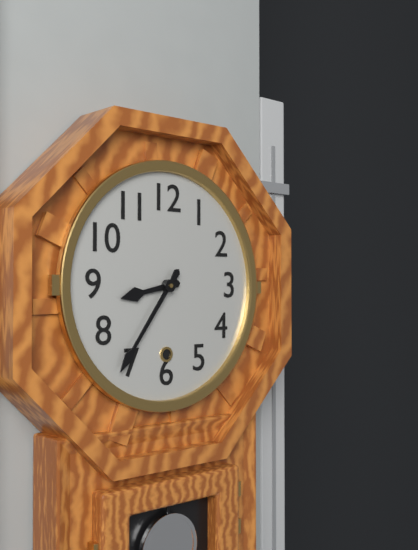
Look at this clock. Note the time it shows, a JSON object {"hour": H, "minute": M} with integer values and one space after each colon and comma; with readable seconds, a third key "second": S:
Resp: {"hour": 8, "minute": 36}
